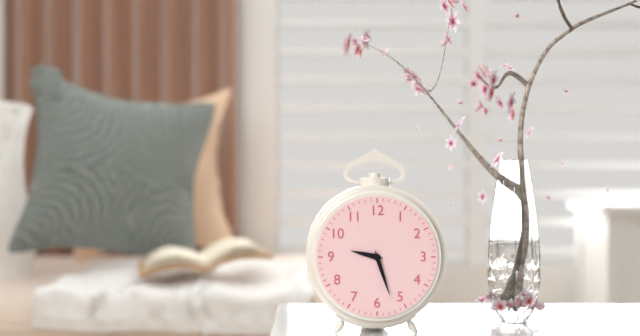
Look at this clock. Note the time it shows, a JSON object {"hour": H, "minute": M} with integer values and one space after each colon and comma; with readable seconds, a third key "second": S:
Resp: {"hour": 9, "minute": 27}
